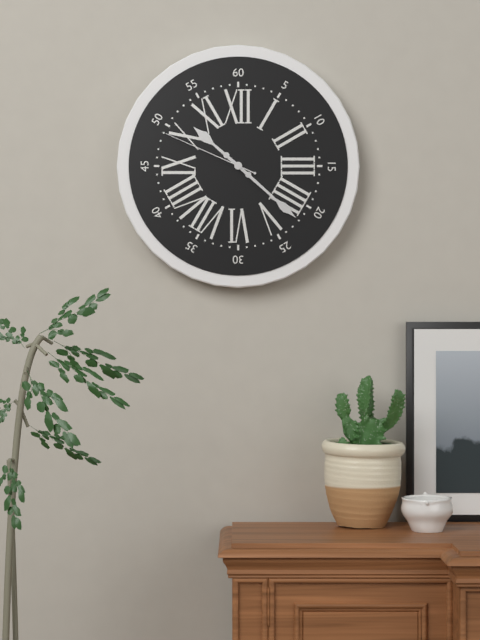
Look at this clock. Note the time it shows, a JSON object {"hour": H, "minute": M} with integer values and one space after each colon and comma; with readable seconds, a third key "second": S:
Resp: {"hour": 10, "minute": 22, "second": 49}
